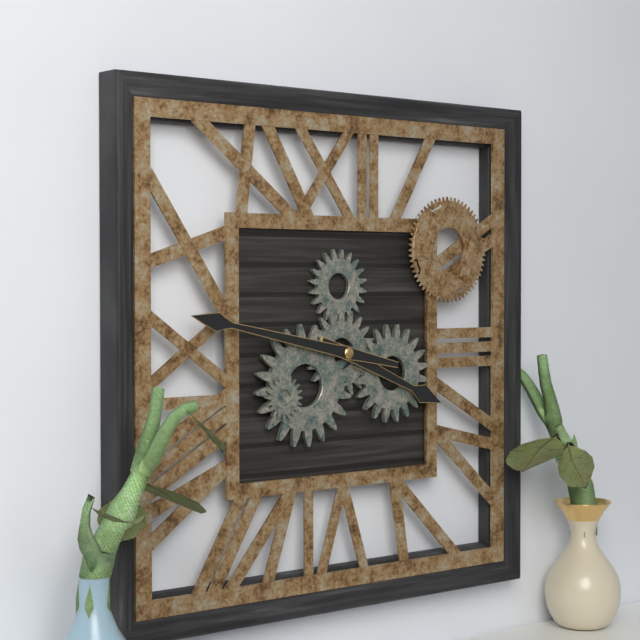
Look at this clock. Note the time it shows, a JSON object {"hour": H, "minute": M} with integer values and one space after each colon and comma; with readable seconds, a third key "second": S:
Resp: {"hour": 3, "minute": 47}
